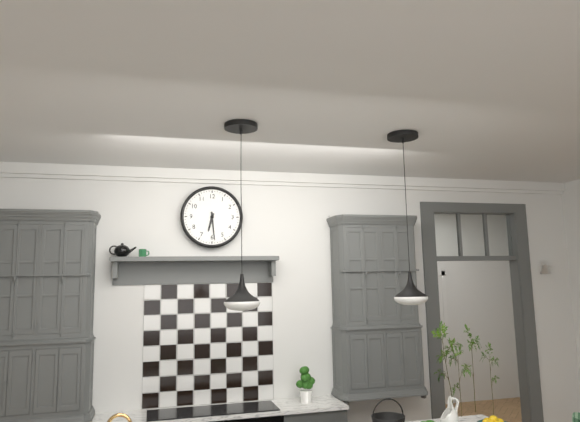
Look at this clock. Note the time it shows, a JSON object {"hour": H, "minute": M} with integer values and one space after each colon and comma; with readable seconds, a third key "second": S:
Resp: {"hour": 6, "minute": 29}
